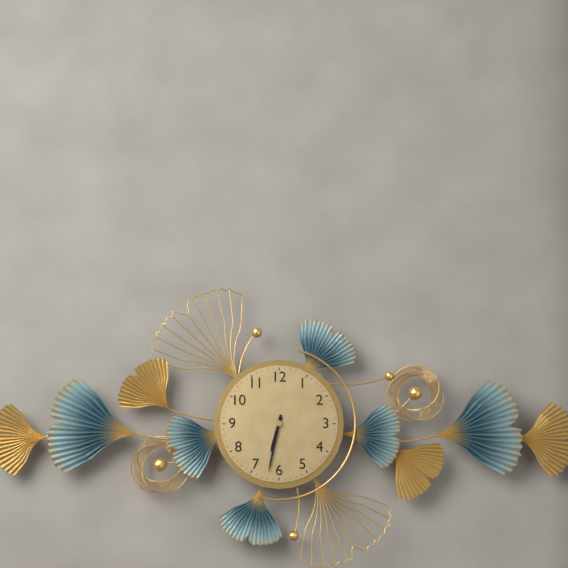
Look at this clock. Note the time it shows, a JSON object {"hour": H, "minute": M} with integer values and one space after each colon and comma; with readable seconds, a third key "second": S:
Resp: {"hour": 6, "minute": 32}
